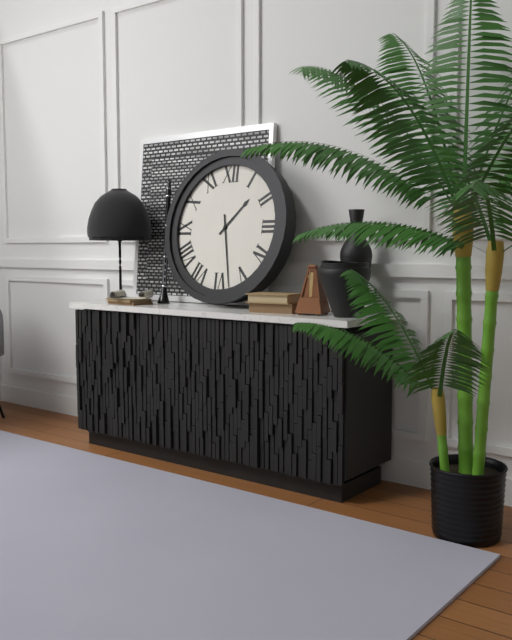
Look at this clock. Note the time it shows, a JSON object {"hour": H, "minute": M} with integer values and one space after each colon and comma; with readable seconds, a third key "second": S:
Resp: {"hour": 1, "minute": 28}
